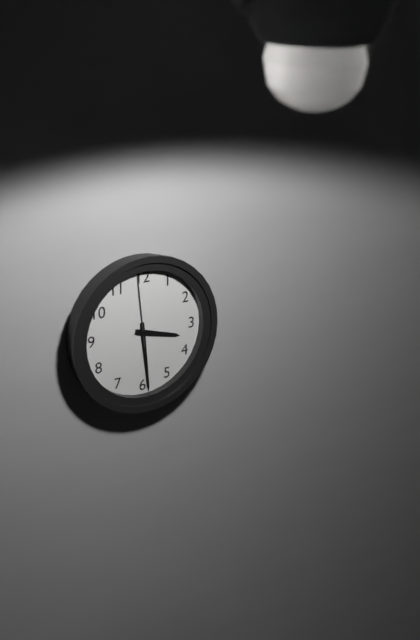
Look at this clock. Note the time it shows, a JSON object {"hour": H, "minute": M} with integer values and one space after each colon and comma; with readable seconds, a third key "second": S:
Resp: {"hour": 3, "minute": 29, "second": 59}
